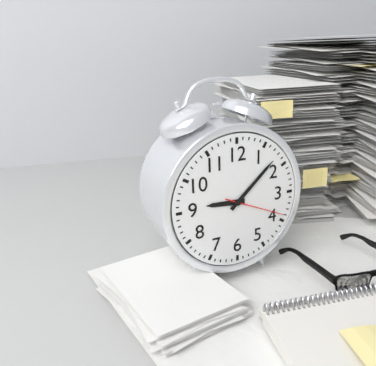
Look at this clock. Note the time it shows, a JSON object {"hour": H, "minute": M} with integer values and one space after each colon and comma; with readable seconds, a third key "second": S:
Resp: {"hour": 9, "minute": 8, "second": 19}
